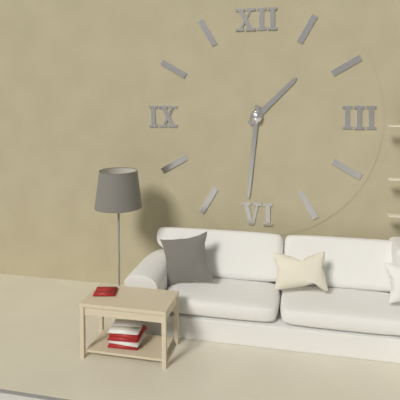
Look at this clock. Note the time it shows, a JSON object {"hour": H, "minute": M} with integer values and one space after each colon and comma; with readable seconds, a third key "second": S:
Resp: {"hour": 1, "minute": 31}
